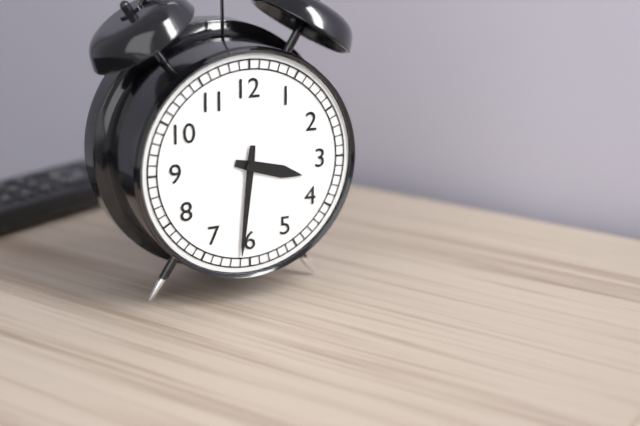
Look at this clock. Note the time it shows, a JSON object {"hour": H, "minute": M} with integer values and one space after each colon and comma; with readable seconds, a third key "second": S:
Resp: {"hour": 3, "minute": 31}
